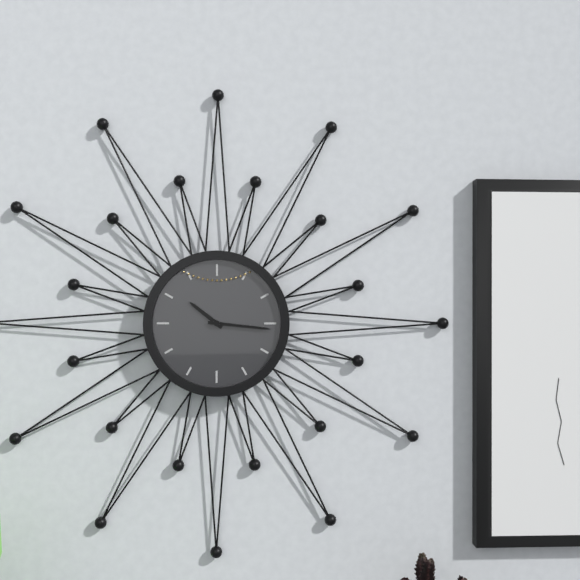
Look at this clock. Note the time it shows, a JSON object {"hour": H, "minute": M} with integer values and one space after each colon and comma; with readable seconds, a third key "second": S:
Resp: {"hour": 10, "minute": 16}
